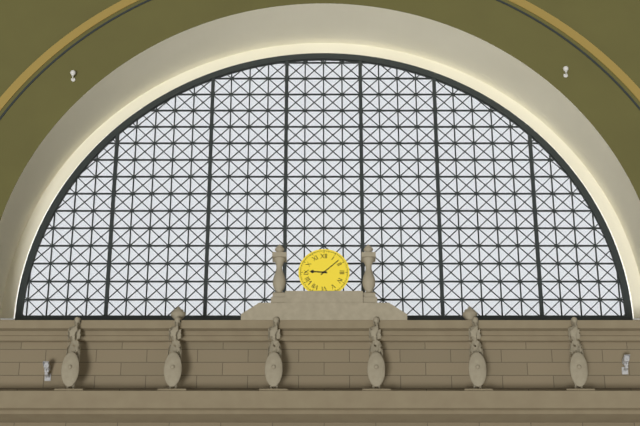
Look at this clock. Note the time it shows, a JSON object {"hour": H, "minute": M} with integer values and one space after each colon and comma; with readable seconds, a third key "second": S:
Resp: {"hour": 9, "minute": 8}
